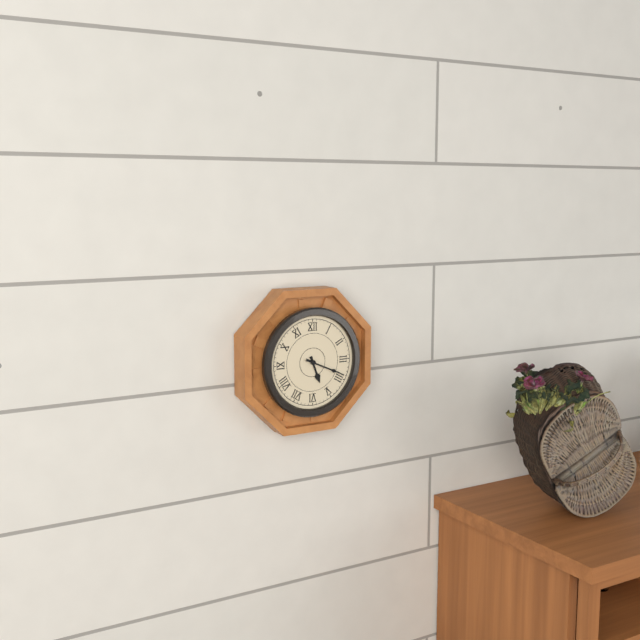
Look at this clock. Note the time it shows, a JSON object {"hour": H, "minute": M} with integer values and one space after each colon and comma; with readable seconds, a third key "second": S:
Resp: {"hour": 5, "minute": 19}
